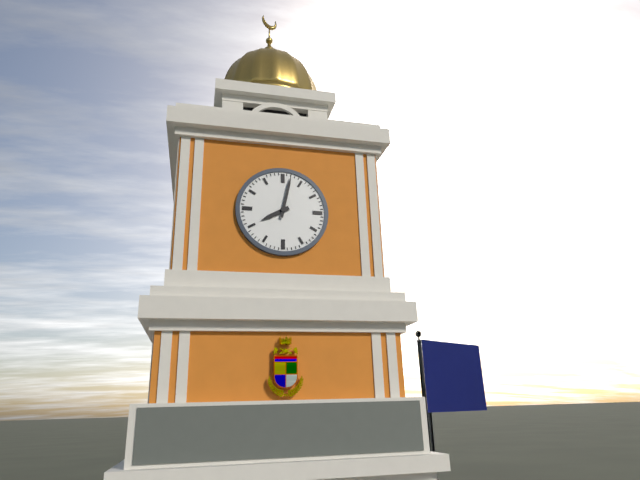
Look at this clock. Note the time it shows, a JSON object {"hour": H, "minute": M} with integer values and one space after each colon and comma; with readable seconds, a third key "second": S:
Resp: {"hour": 8, "minute": 2}
